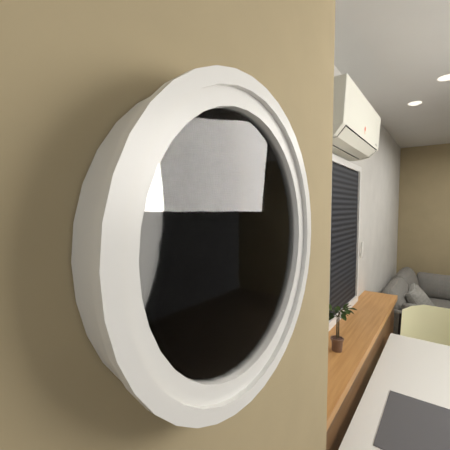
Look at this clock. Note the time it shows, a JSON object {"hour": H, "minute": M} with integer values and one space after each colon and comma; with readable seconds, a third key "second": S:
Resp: {"hour": 10, "minute": 40}
